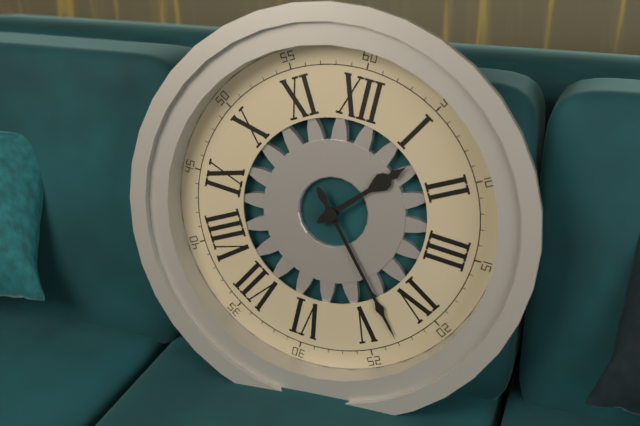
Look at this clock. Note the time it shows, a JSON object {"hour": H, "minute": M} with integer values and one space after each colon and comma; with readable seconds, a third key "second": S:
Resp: {"hour": 1, "minute": 23}
